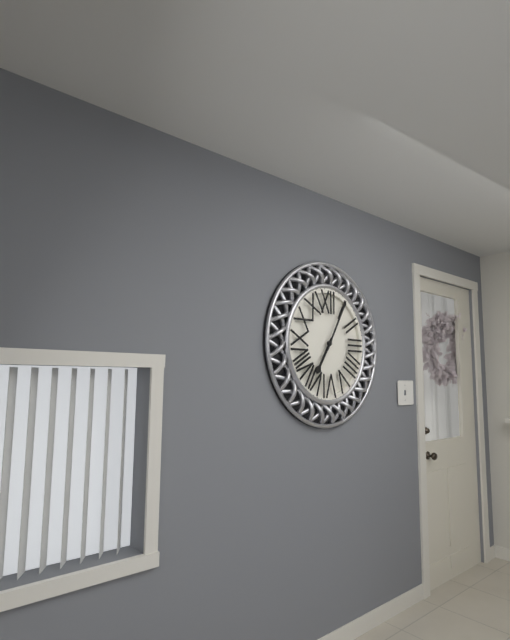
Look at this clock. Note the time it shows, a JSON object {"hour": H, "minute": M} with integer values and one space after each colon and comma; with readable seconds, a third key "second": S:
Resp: {"hour": 7, "minute": 5}
